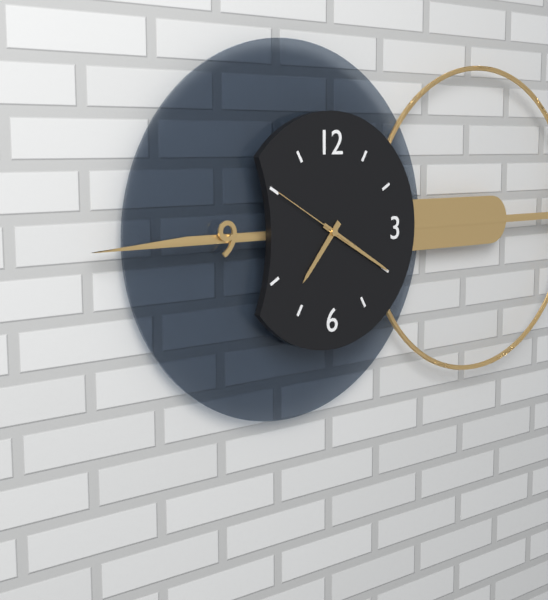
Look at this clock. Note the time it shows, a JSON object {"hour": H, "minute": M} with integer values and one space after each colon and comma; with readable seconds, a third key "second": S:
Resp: {"hour": 7, "minute": 20, "second": 50}
